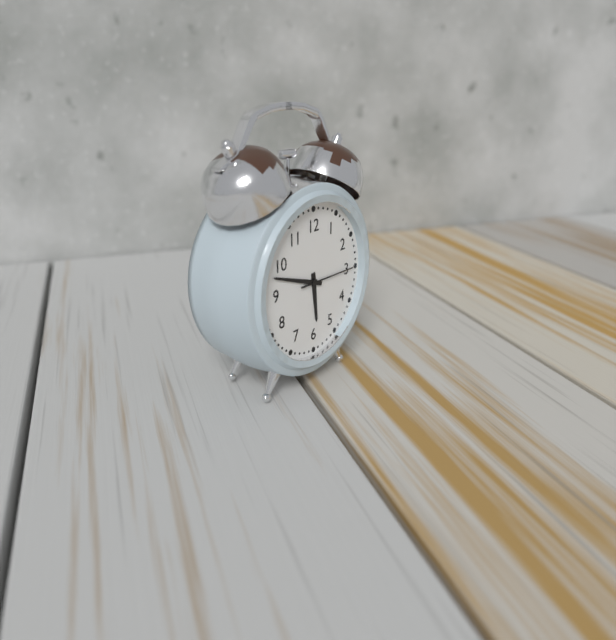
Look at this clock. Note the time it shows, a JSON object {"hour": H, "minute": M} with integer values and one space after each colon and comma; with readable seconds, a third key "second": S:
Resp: {"hour": 5, "minute": 48, "second": 15}
